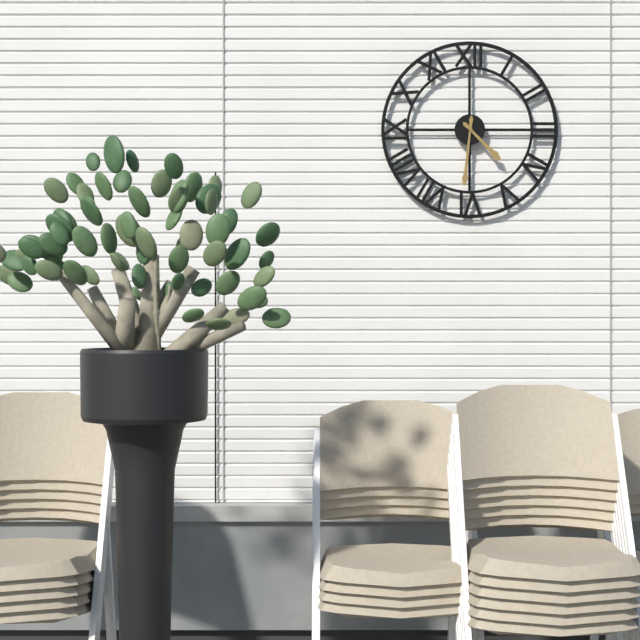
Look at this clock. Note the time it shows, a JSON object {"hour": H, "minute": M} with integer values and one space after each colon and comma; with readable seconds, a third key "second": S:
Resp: {"hour": 4, "minute": 31}
